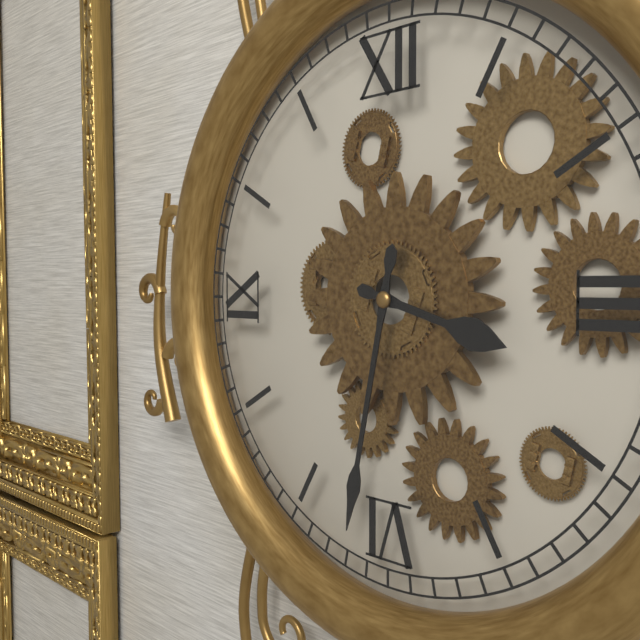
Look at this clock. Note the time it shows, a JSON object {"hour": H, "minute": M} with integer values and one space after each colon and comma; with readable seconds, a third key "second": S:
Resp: {"hour": 3, "minute": 32}
